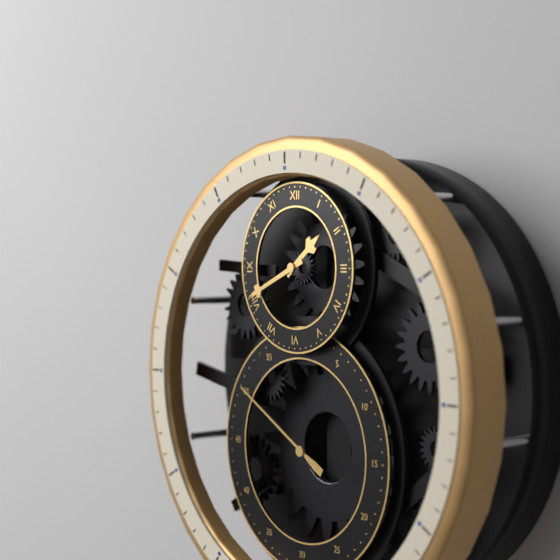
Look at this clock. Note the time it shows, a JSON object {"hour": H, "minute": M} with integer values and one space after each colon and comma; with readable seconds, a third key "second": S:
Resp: {"hour": 1, "minute": 41, "second": 50}
